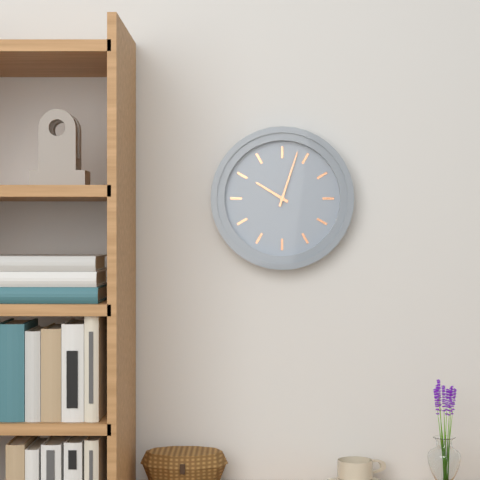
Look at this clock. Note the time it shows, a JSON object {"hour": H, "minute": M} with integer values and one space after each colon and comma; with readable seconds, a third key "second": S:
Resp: {"hour": 10, "minute": 3}
